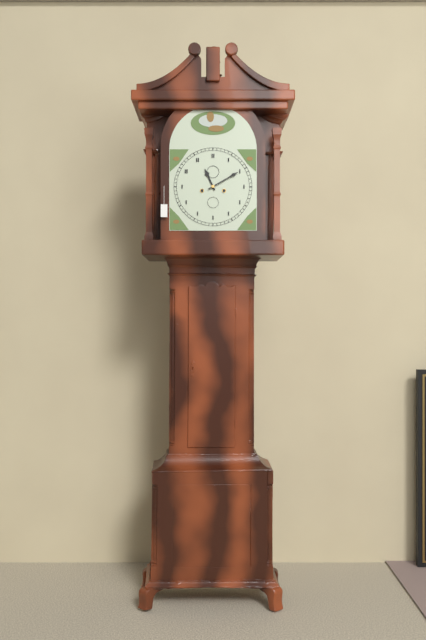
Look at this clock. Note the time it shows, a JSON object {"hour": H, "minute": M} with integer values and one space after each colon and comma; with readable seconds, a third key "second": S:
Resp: {"hour": 11, "minute": 10}
